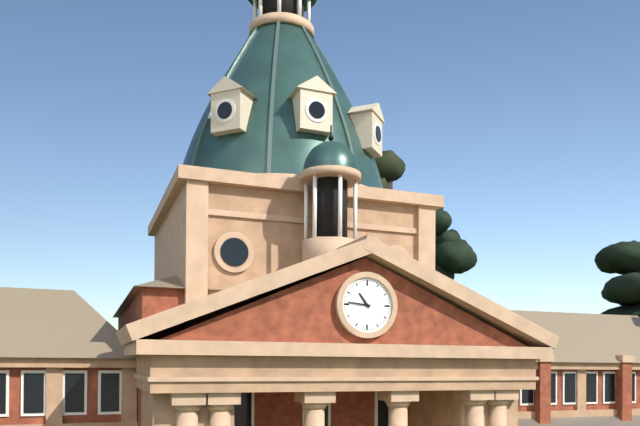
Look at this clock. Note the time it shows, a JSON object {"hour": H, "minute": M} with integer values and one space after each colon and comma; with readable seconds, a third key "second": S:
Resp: {"hour": 10, "minute": 46}
